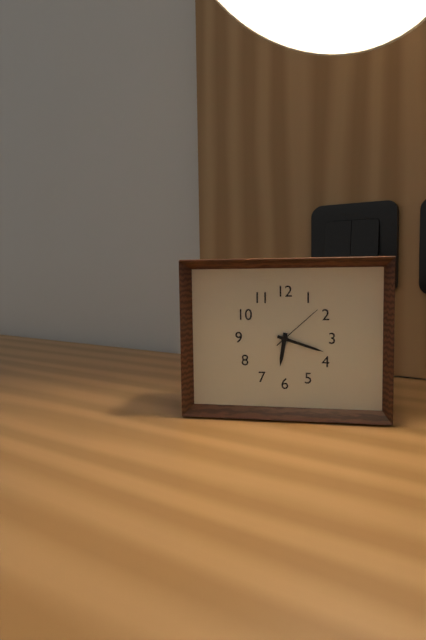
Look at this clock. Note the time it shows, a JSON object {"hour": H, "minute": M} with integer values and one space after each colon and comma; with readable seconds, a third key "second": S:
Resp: {"hour": 6, "minute": 18}
